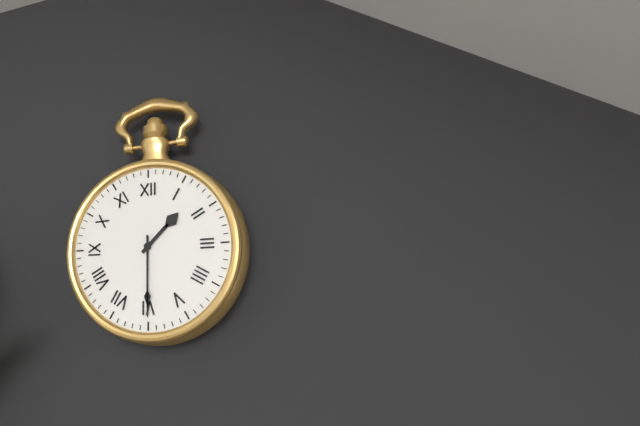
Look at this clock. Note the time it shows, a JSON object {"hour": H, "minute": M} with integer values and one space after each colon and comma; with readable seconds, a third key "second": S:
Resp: {"hour": 1, "minute": 30}
